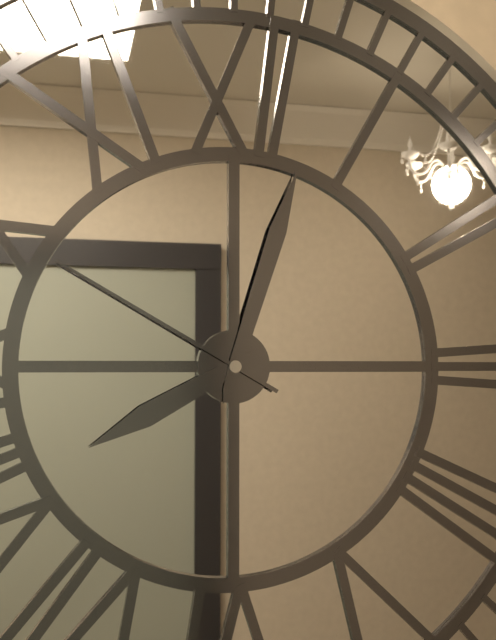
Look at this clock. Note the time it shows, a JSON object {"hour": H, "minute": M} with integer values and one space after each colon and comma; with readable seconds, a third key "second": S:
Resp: {"hour": 8, "minute": 3, "second": 50}
